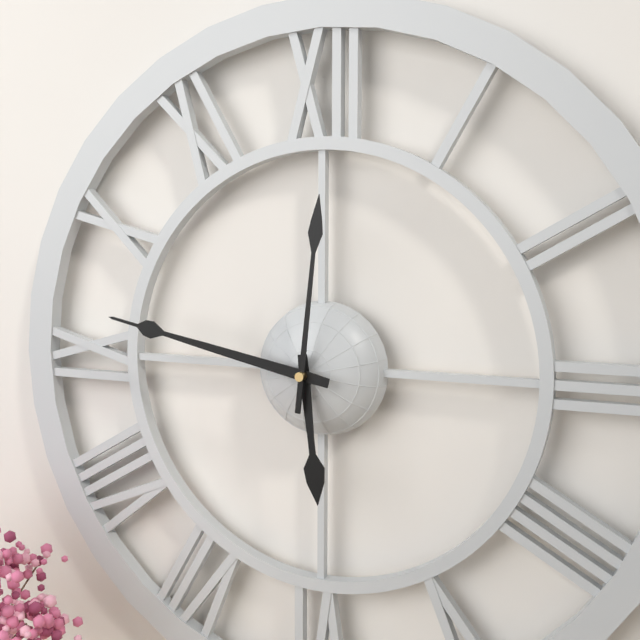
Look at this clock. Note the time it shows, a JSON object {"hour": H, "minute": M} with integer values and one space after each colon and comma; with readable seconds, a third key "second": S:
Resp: {"hour": 5, "minute": 47, "second": 1}
